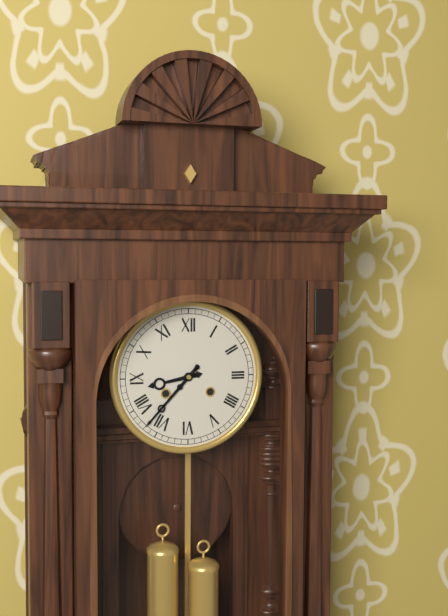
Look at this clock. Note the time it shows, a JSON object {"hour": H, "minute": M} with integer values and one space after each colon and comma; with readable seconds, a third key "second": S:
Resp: {"hour": 8, "minute": 37}
